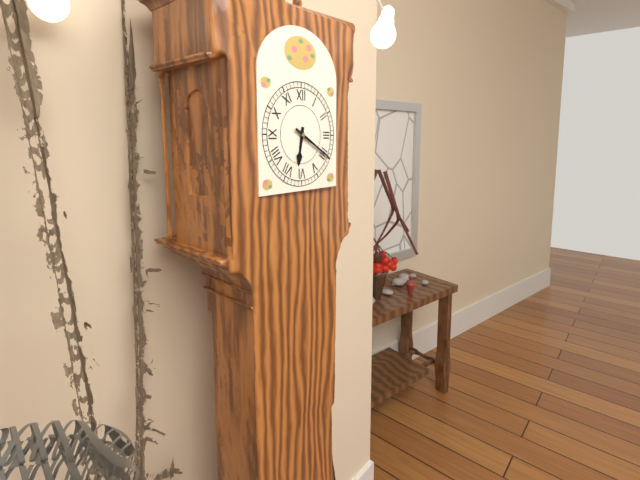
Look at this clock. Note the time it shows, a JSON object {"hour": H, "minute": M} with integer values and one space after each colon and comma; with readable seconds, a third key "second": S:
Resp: {"hour": 6, "minute": 20}
